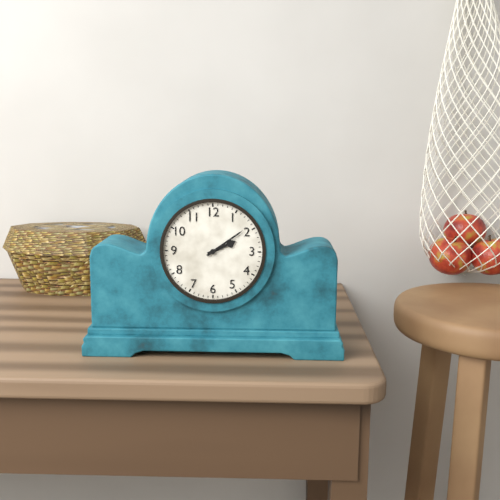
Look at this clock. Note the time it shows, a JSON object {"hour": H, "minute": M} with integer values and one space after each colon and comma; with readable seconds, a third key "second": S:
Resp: {"hour": 2, "minute": 9}
